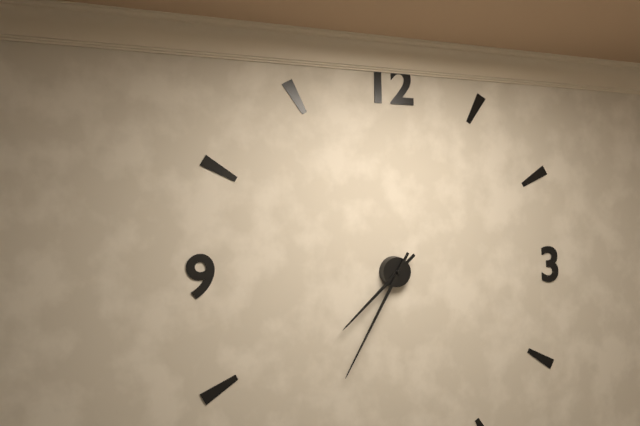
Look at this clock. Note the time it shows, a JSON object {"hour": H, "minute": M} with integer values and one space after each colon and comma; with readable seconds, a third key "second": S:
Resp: {"hour": 7, "minute": 35}
